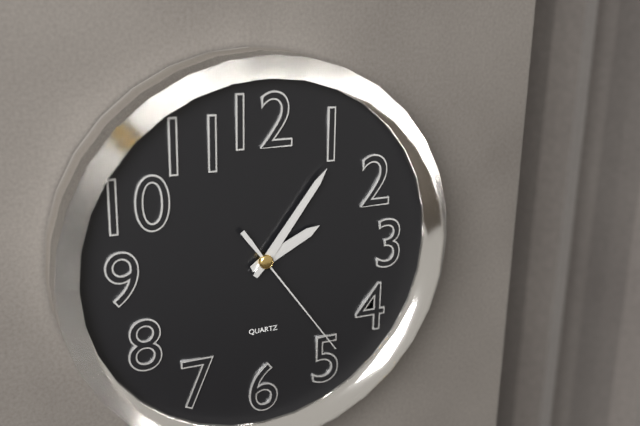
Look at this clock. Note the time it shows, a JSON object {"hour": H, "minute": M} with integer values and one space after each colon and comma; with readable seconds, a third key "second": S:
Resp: {"hour": 2, "minute": 6, "second": 24}
